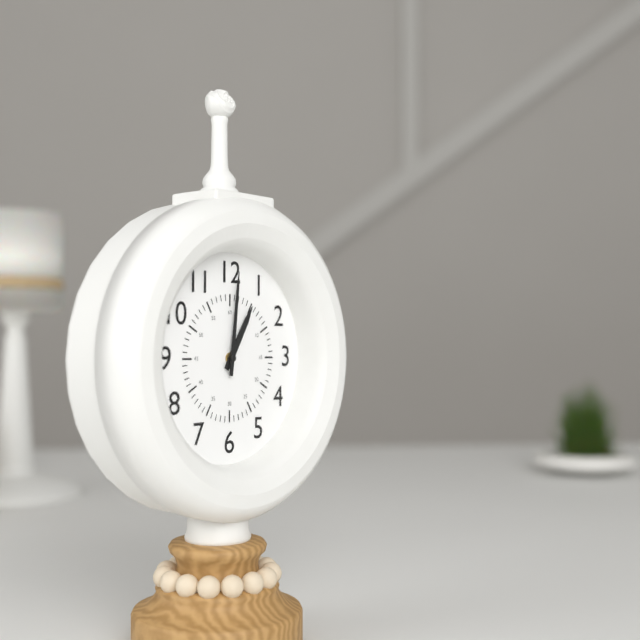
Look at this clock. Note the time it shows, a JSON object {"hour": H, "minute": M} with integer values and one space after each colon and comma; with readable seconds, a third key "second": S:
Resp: {"hour": 1, "minute": 1}
